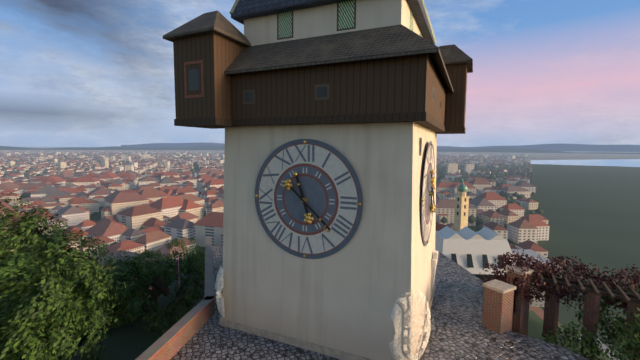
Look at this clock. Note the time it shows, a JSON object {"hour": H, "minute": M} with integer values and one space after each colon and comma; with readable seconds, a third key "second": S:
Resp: {"hour": 11, "minute": 22}
